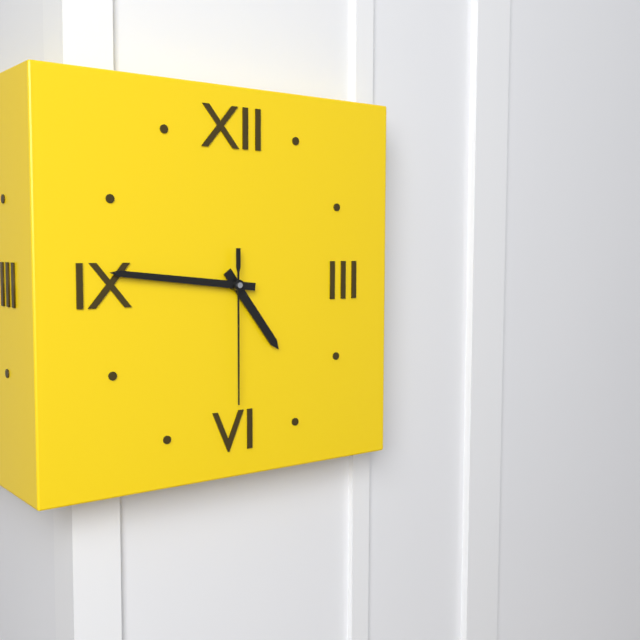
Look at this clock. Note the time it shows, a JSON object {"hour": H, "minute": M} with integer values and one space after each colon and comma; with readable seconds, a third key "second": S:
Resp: {"hour": 4, "minute": 46, "second": 30}
